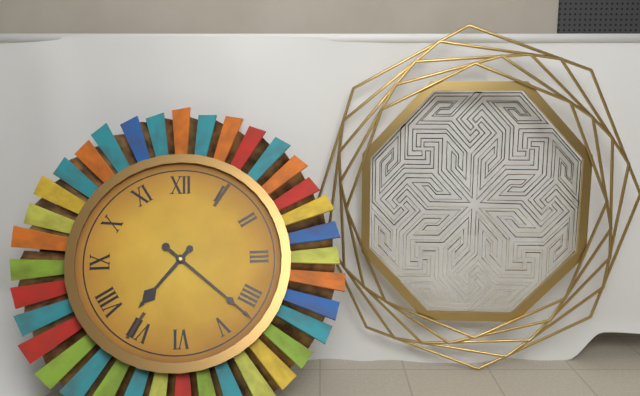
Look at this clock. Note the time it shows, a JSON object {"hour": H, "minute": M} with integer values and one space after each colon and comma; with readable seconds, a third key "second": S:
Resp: {"hour": 7, "minute": 22}
